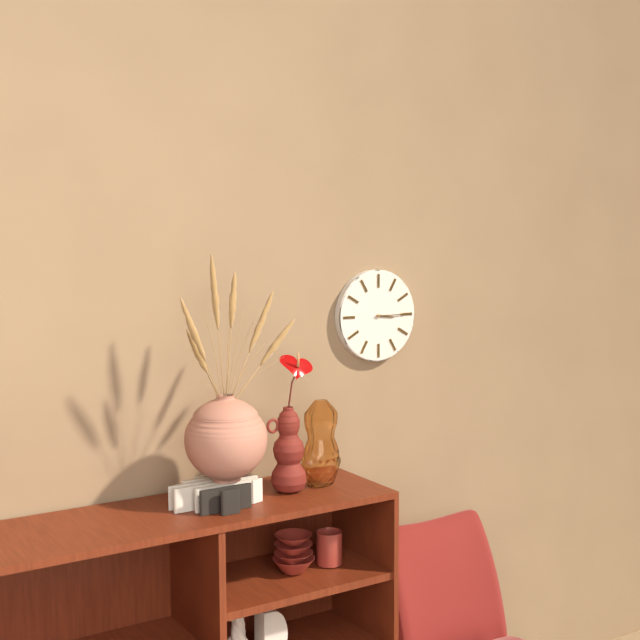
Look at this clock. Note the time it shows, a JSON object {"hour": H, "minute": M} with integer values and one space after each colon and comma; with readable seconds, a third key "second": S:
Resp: {"hour": 3, "minute": 15}
